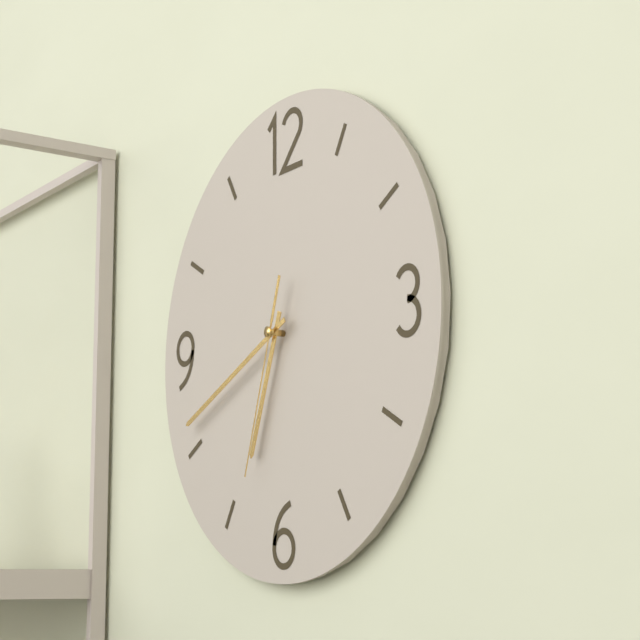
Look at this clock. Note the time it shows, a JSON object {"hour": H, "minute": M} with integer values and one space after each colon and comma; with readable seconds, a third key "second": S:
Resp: {"hour": 6, "minute": 41, "second": 33}
